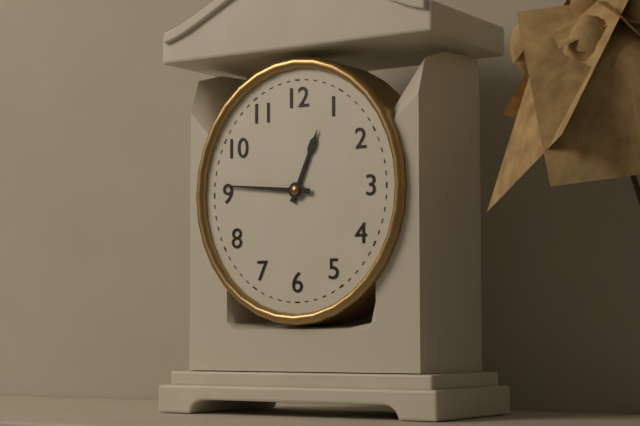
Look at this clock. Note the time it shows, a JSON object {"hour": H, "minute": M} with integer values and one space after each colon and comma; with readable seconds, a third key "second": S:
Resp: {"hour": 12, "minute": 46}
